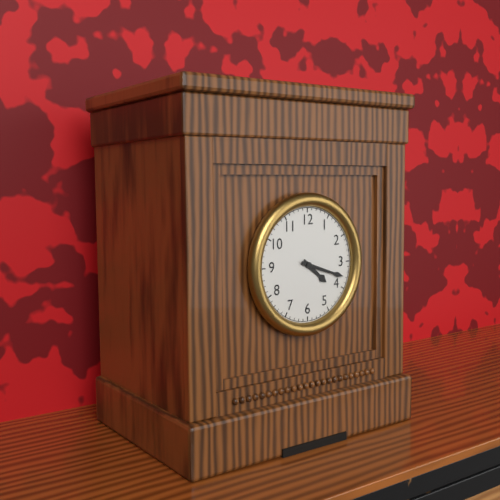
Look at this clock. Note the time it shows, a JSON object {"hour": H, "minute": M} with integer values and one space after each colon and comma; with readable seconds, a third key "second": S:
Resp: {"hour": 4, "minute": 18}
